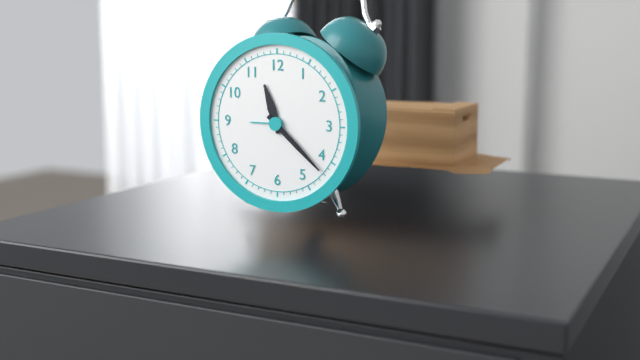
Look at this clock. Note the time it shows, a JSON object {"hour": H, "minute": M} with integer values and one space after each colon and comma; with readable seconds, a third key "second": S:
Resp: {"hour": 11, "minute": 22}
